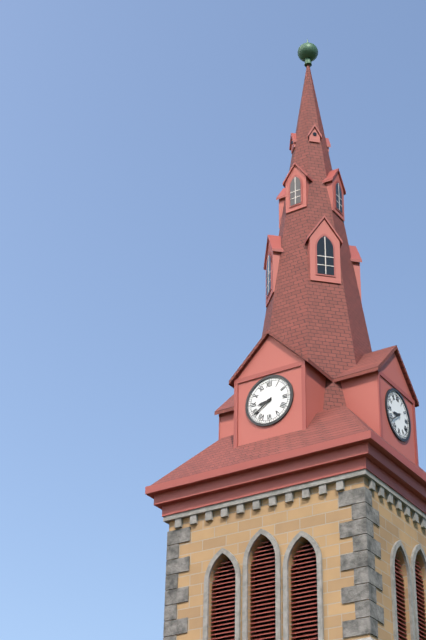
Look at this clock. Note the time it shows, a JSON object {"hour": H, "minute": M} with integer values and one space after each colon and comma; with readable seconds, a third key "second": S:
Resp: {"hour": 8, "minute": 39}
